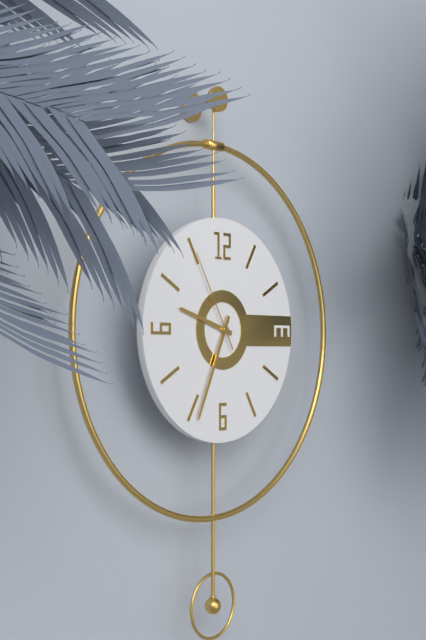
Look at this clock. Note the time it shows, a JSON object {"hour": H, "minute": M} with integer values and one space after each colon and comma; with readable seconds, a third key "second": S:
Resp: {"hour": 9, "minute": 34, "second": 55}
